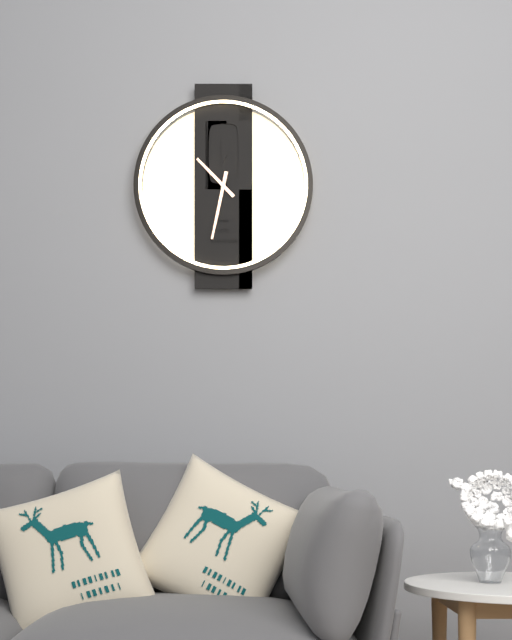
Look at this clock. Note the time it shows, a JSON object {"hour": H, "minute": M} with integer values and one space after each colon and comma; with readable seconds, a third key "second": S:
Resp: {"hour": 10, "minute": 32}
